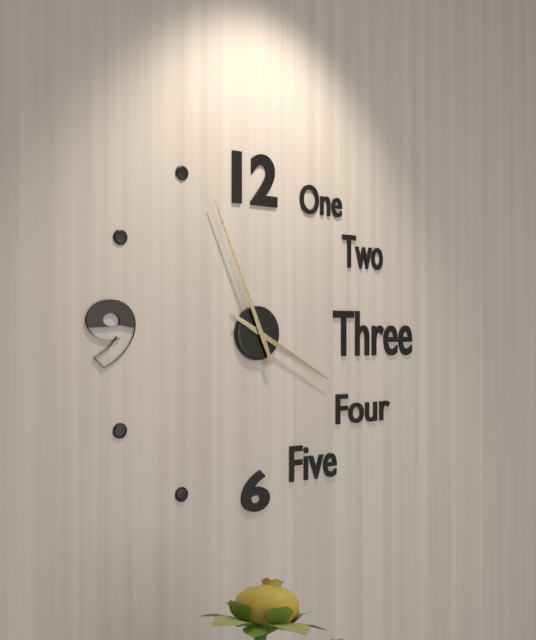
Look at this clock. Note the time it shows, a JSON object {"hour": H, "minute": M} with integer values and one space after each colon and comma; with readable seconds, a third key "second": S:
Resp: {"hour": 3, "minute": 56}
